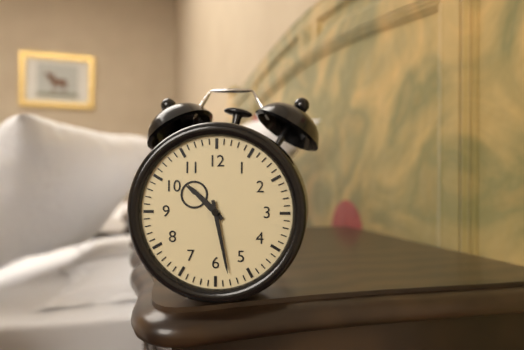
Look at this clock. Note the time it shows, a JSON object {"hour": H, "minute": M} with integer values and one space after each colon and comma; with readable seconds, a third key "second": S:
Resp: {"hour": 10, "minute": 28}
